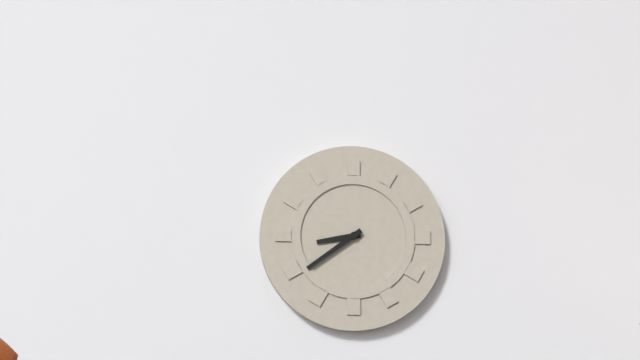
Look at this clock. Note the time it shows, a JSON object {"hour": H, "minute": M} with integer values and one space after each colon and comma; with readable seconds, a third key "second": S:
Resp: {"hour": 8, "minute": 39}
